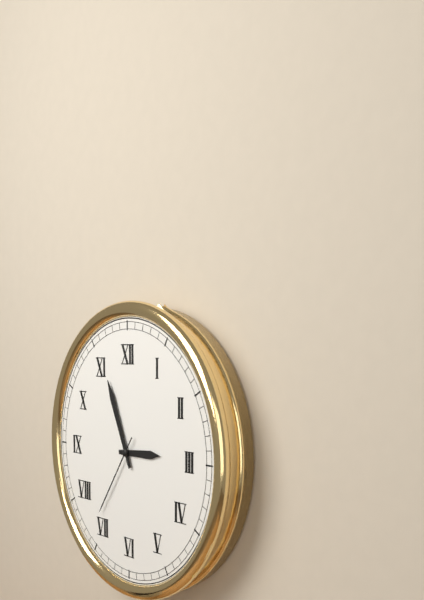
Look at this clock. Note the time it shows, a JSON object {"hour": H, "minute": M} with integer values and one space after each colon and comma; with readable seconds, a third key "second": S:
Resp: {"hour": 2, "minute": 56, "second": 36}
